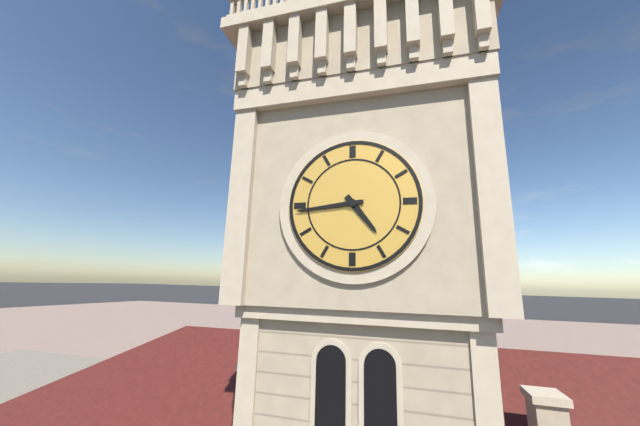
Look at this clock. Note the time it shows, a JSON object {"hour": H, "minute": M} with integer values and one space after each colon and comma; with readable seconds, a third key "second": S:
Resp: {"hour": 4, "minute": 44}
